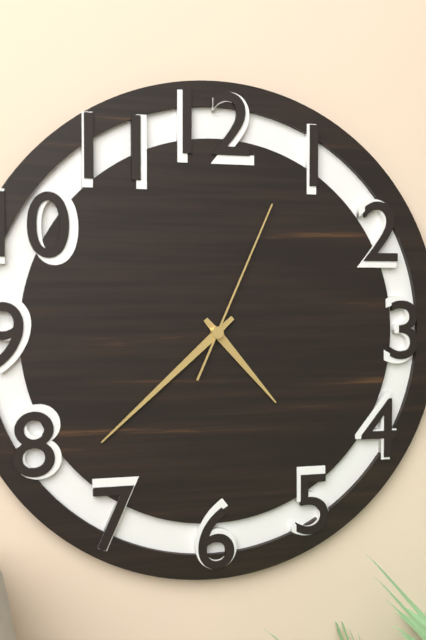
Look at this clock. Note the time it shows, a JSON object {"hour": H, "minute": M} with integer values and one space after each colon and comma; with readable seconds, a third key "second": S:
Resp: {"hour": 4, "minute": 38, "second": 4}
